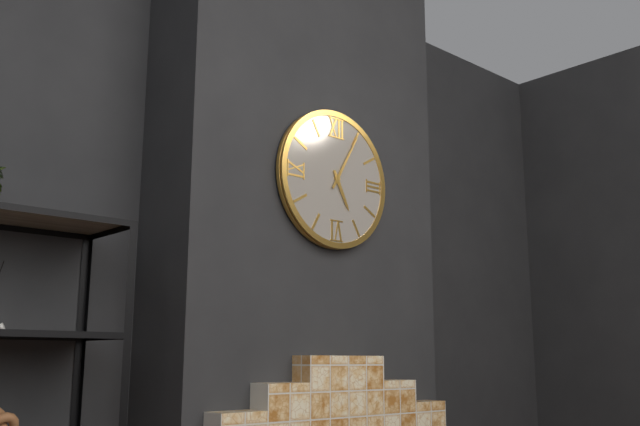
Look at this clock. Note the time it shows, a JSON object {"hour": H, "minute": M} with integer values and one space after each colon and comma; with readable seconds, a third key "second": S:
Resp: {"hour": 5, "minute": 5}
